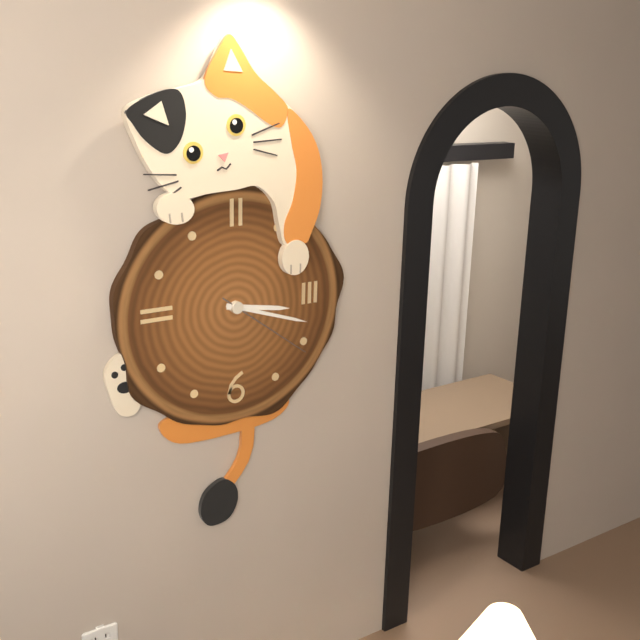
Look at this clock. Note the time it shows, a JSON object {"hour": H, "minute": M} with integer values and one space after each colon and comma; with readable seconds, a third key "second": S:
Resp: {"hour": 3, "minute": 18, "second": 21}
